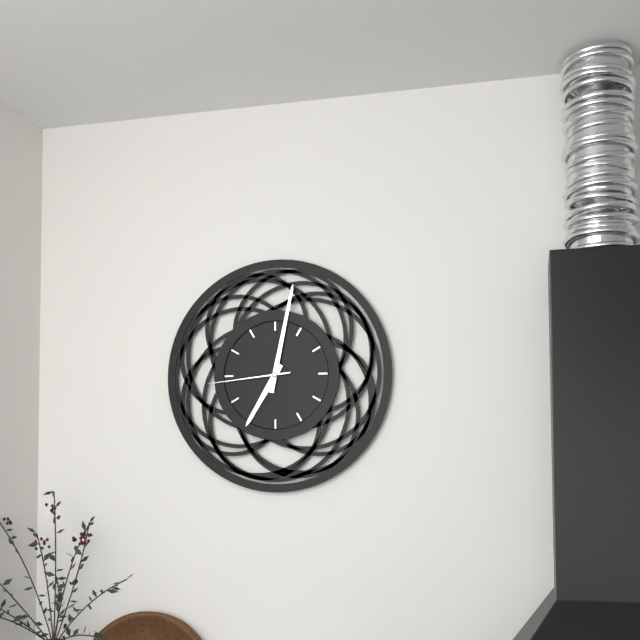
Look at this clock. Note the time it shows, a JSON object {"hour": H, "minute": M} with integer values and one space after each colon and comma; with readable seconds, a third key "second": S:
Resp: {"hour": 7, "minute": 2, "second": 44}
